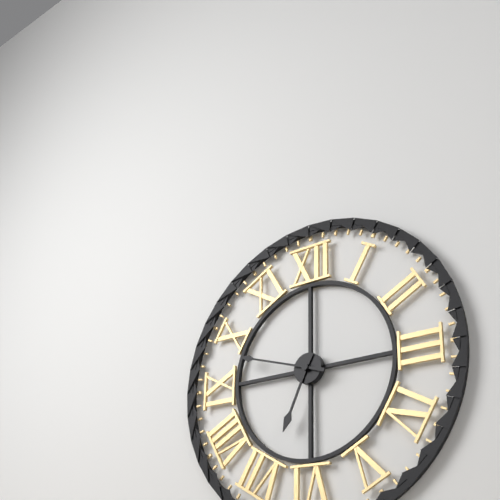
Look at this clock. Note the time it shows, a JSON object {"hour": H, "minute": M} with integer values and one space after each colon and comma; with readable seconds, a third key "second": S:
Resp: {"hour": 6, "minute": 48}
